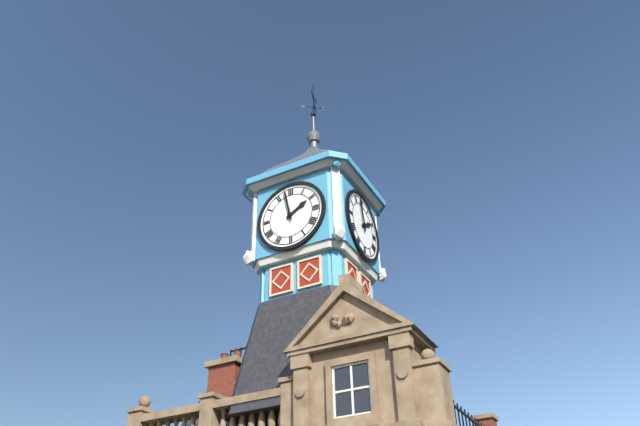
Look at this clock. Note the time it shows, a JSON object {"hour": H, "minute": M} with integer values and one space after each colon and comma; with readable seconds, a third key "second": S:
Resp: {"hour": 1, "minute": 58}
